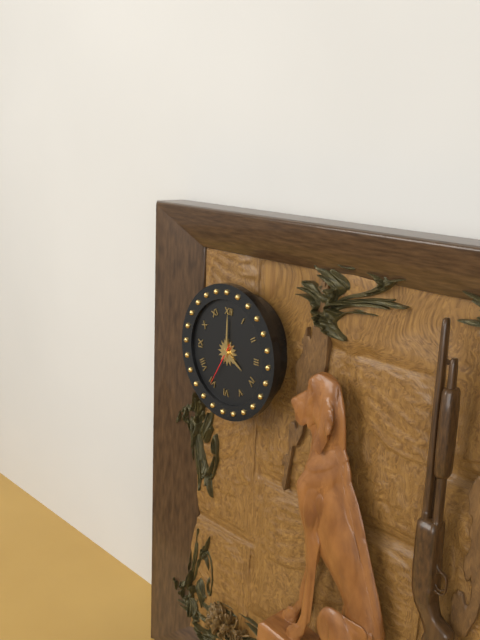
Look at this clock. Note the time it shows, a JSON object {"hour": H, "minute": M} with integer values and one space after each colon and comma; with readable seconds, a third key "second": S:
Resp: {"hour": 4, "minute": 0}
